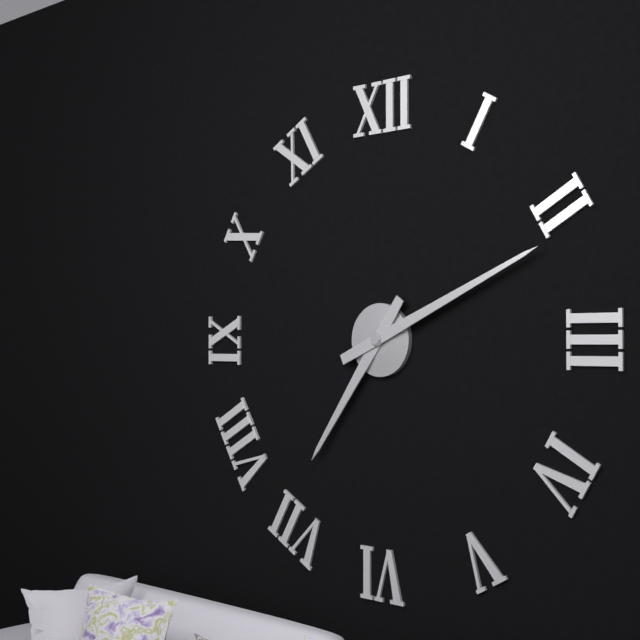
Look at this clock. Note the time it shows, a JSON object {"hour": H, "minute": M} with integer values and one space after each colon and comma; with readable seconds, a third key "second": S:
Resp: {"hour": 7, "minute": 11}
